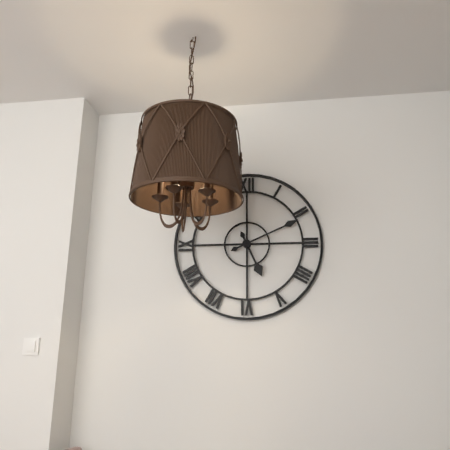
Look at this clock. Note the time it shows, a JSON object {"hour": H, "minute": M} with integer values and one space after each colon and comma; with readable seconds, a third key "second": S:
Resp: {"hour": 5, "minute": 11}
